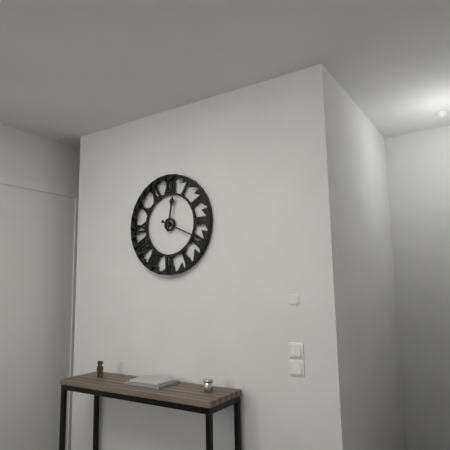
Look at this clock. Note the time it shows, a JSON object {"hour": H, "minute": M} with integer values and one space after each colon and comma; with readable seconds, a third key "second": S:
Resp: {"hour": 12, "minute": 19}
